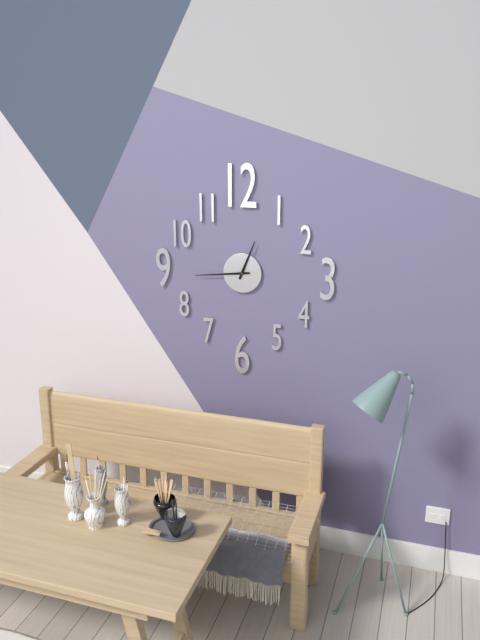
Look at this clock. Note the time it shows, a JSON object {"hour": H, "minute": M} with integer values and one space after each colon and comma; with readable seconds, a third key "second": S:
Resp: {"hour": 12, "minute": 44}
